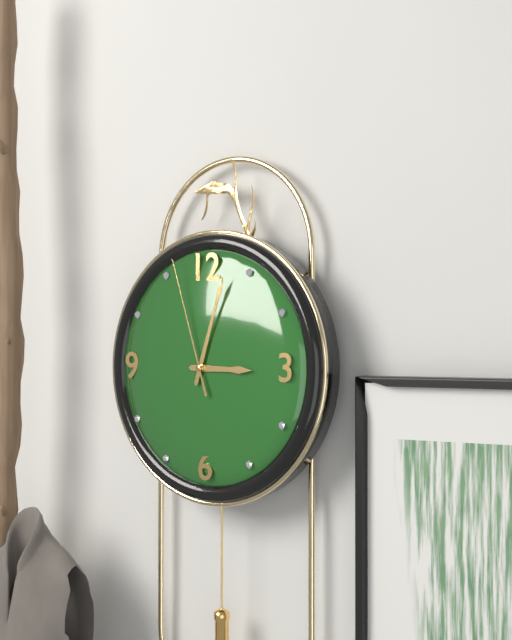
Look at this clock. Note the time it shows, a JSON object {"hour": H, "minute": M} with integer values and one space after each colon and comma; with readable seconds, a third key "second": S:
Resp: {"hour": 3, "minute": 3, "second": 57}
